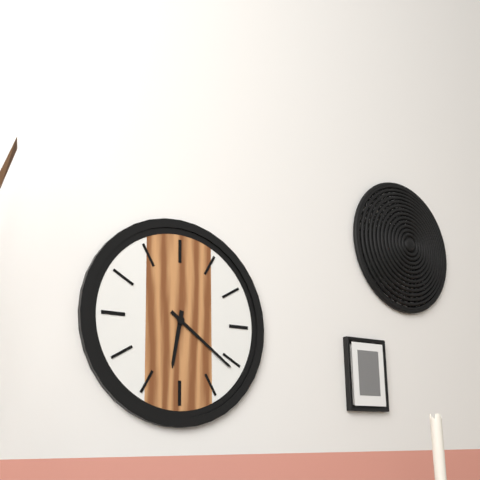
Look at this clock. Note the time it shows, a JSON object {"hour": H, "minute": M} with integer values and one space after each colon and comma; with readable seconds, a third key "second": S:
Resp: {"hour": 6, "minute": 21}
